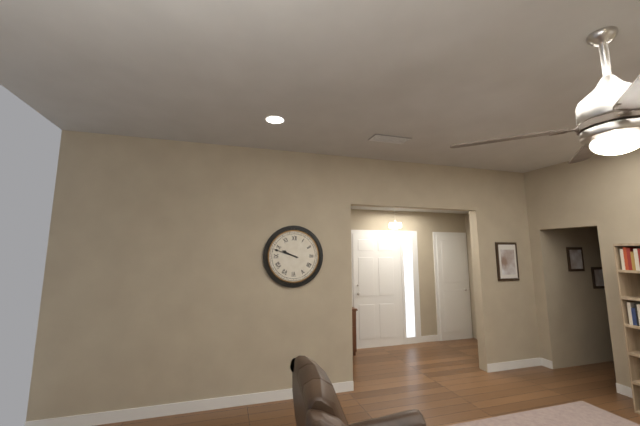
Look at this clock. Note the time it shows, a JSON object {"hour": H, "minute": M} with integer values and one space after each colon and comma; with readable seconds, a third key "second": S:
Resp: {"hour": 9, "minute": 48}
